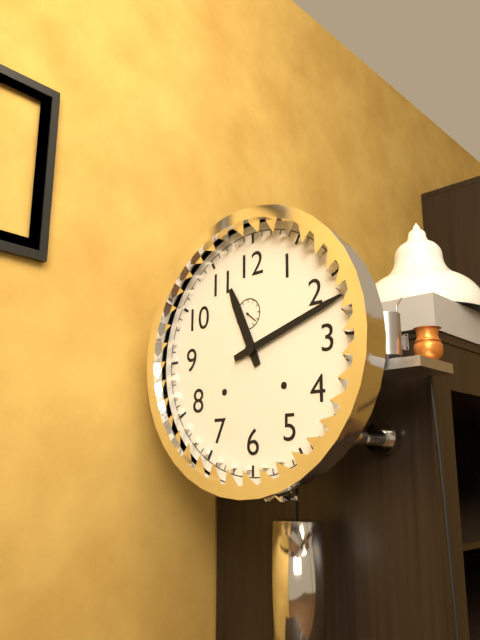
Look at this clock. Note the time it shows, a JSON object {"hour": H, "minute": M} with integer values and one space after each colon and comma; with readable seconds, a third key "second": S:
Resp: {"hour": 11, "minute": 12}
